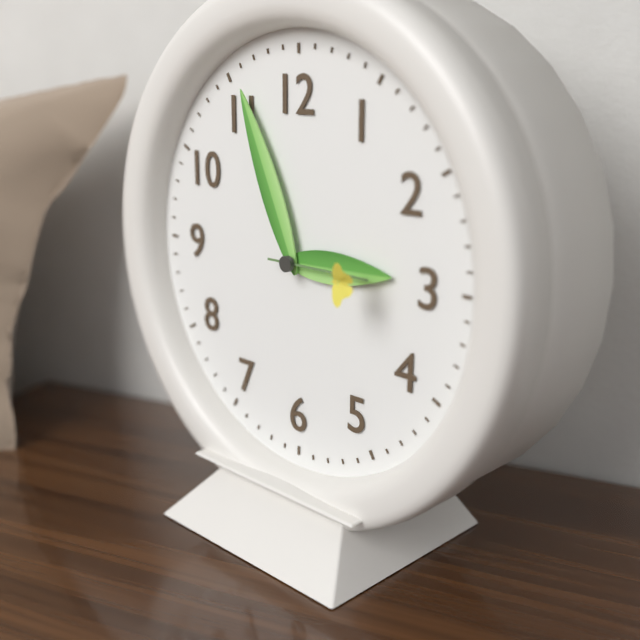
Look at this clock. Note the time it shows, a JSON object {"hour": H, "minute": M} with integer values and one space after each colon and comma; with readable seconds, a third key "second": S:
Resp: {"hour": 2, "minute": 56, "second": 15}
